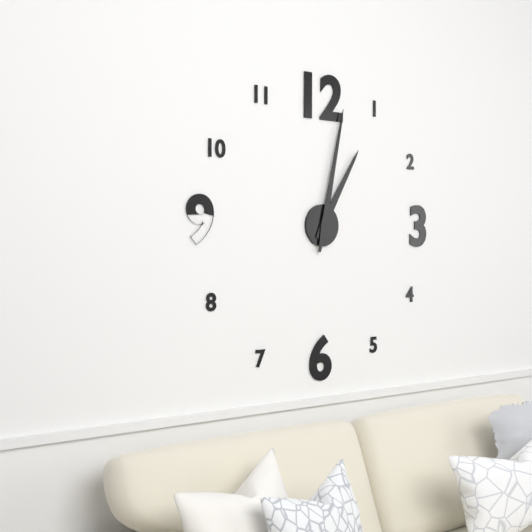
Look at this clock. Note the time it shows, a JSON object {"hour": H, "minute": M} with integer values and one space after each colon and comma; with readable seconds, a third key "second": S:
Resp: {"hour": 1, "minute": 2}
